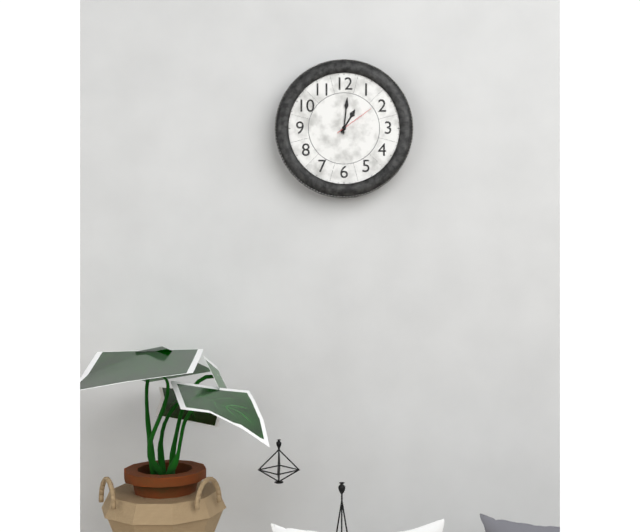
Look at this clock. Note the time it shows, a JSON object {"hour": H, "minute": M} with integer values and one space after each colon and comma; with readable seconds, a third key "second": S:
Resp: {"hour": 1, "minute": 1}
